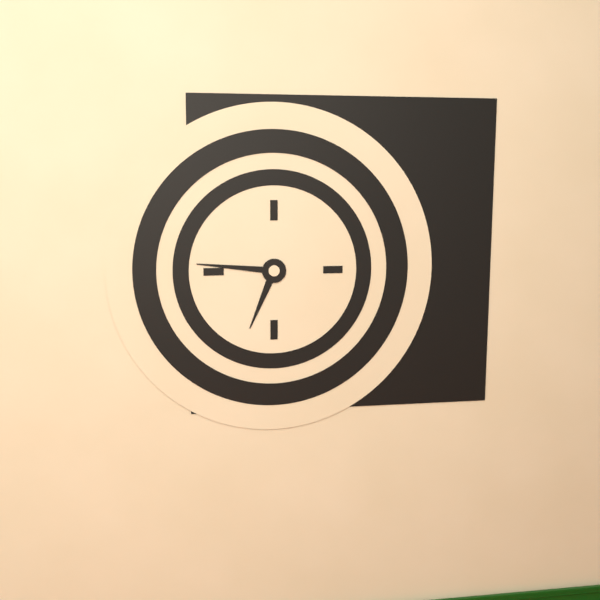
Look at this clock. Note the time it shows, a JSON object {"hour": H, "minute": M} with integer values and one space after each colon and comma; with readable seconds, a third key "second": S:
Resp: {"hour": 6, "minute": 46}
